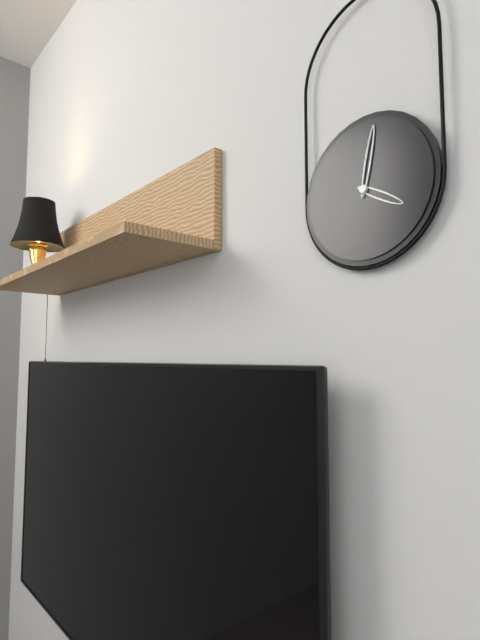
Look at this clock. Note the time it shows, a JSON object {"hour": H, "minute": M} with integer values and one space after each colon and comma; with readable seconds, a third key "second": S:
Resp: {"hour": 4, "minute": 2}
